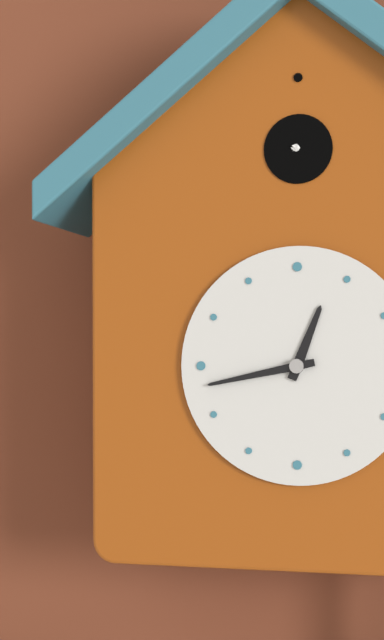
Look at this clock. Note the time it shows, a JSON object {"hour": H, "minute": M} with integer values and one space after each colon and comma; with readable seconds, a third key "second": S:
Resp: {"hour": 12, "minute": 43}
